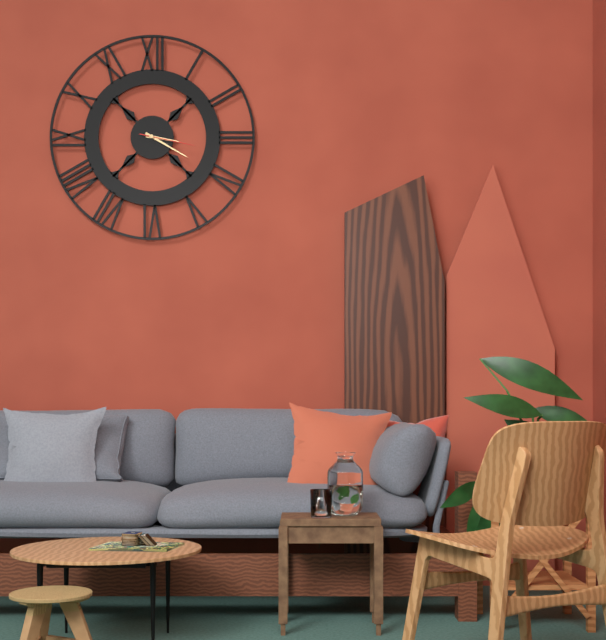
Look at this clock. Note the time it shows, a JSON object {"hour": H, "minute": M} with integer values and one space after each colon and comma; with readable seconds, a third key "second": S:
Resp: {"hour": 3, "minute": 20, "second": 17}
